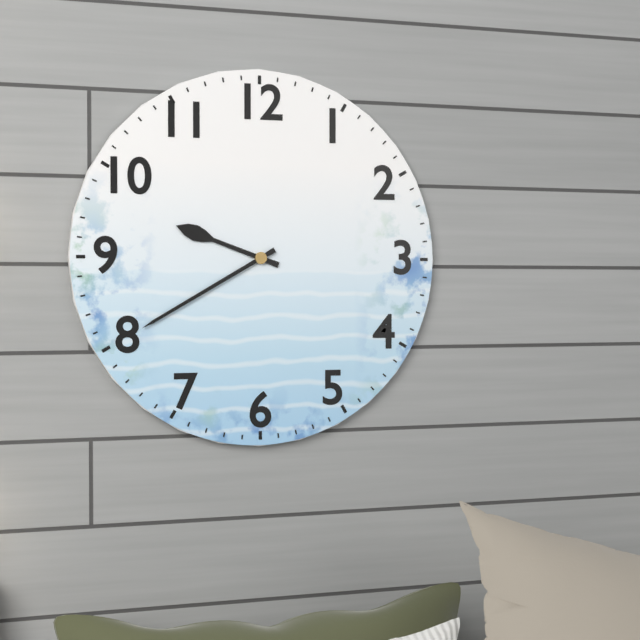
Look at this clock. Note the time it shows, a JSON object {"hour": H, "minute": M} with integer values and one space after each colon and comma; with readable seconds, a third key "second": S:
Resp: {"hour": 9, "minute": 40}
